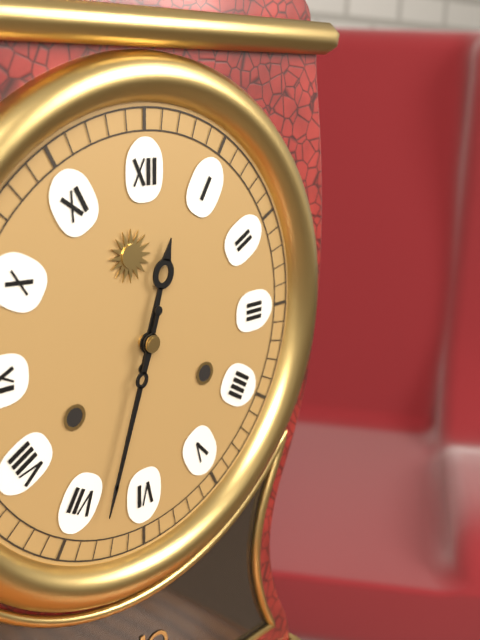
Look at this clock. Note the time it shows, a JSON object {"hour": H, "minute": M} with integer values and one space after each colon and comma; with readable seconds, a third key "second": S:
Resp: {"hour": 12, "minute": 33}
